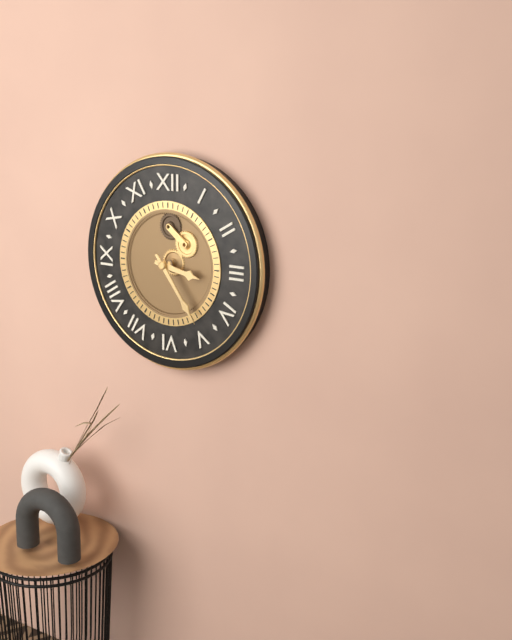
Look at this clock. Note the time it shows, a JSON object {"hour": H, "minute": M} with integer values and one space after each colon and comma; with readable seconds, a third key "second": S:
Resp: {"hour": 3, "minute": 24}
